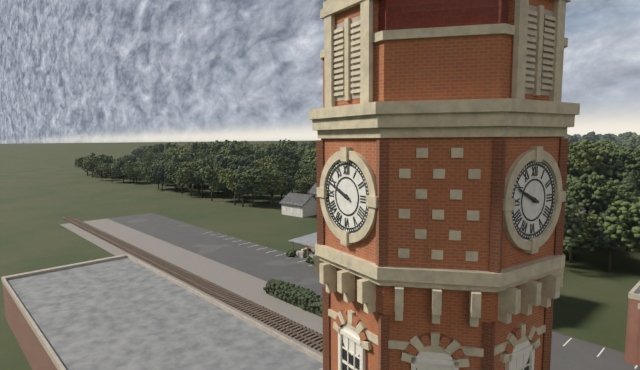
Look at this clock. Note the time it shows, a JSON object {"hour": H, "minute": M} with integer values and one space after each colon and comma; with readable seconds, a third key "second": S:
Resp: {"hour": 9, "minute": 49}
